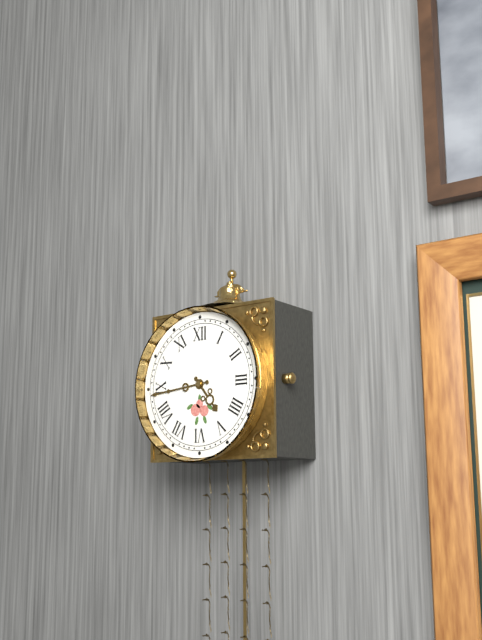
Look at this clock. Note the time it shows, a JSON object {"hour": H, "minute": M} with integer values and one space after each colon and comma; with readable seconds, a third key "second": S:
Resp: {"hour": 4, "minute": 44}
